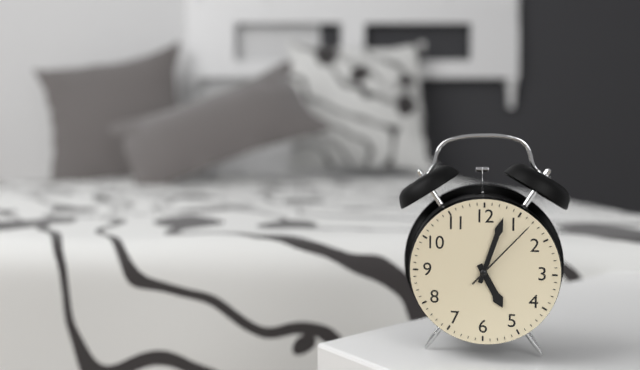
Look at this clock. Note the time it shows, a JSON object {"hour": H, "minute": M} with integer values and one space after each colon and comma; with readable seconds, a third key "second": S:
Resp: {"hour": 5, "minute": 3, "second": 7}
